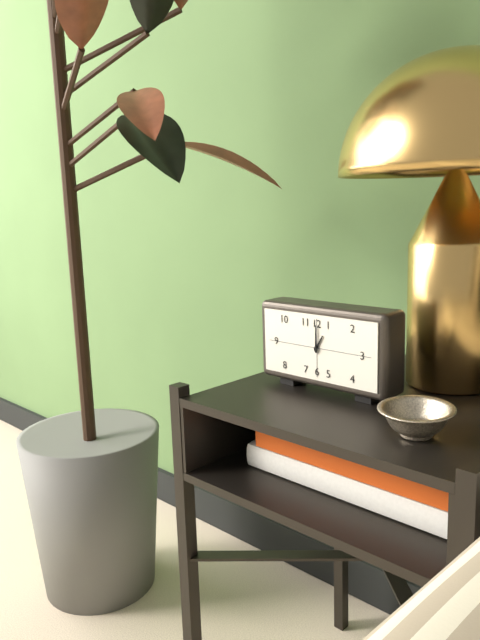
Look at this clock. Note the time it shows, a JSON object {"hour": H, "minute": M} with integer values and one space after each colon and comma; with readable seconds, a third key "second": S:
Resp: {"hour": 1, "minute": 0}
